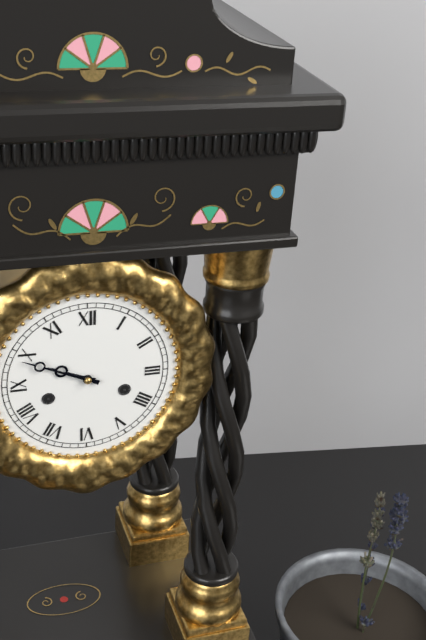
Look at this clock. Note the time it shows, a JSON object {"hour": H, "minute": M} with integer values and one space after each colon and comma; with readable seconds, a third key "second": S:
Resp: {"hour": 9, "minute": 49}
